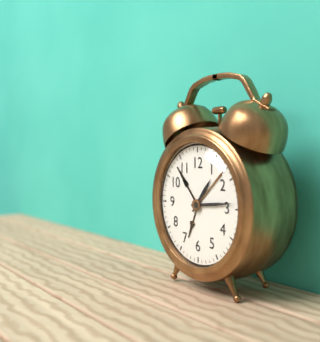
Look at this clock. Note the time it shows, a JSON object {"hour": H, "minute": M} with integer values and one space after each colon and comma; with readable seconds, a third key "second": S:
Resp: {"hour": 1, "minute": 14}
